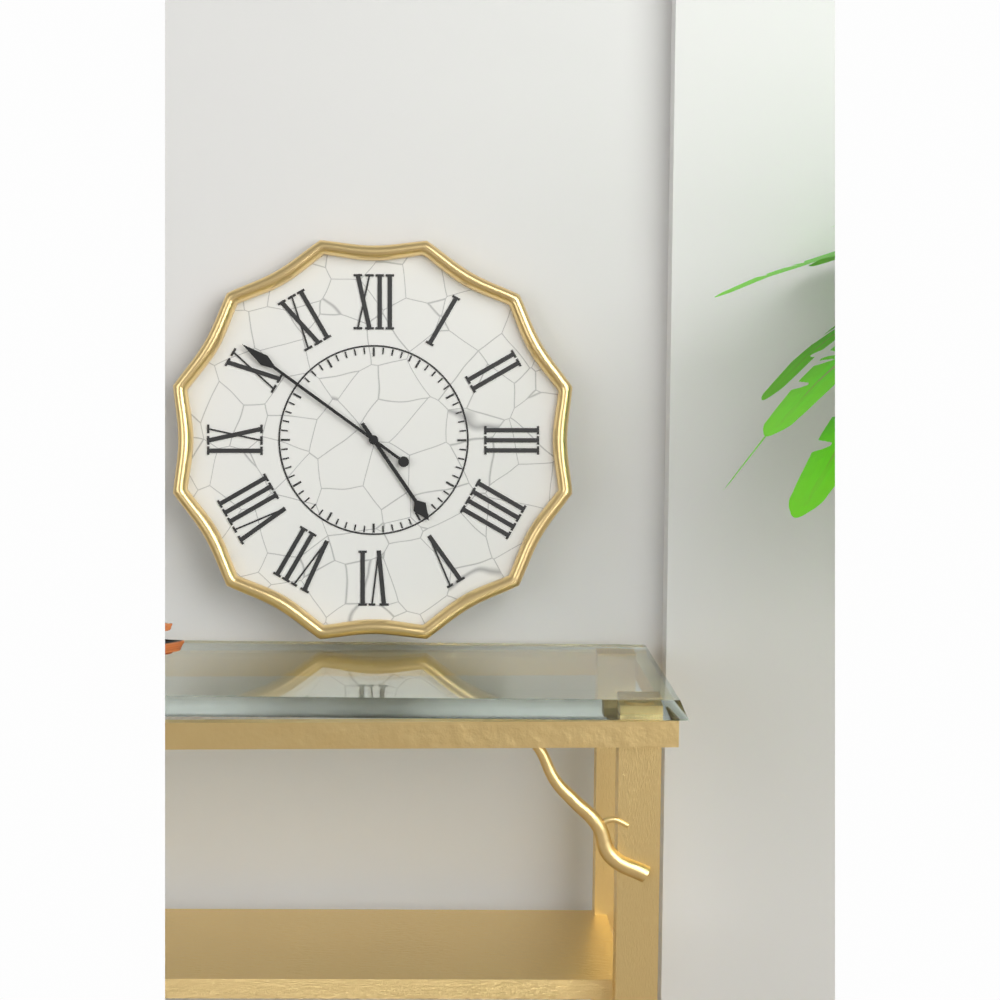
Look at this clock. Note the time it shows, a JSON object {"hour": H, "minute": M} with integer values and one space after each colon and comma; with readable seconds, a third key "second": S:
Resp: {"hour": 4, "minute": 51}
